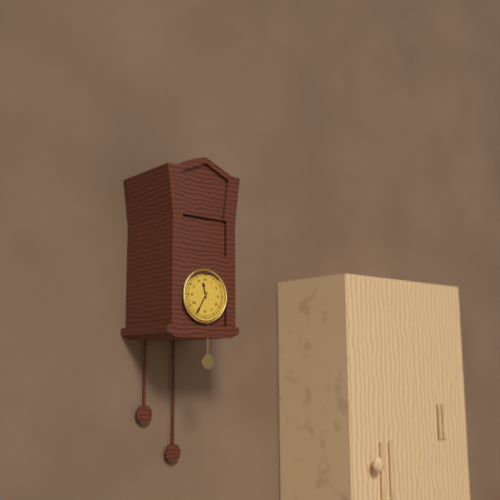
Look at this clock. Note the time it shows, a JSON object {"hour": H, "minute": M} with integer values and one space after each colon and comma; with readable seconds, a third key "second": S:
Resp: {"hour": 11, "minute": 35}
